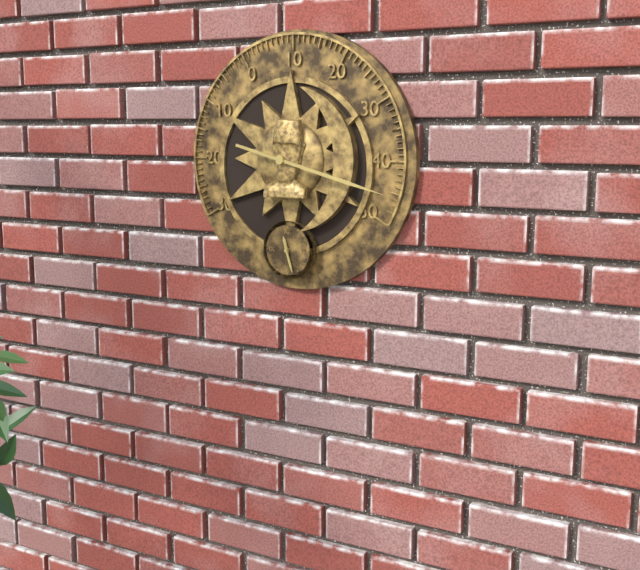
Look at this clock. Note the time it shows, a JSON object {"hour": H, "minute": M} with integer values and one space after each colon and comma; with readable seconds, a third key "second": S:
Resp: {"hour": 11, "minute": 27}
